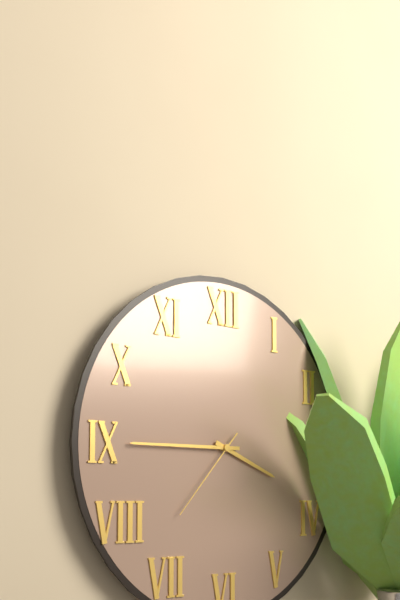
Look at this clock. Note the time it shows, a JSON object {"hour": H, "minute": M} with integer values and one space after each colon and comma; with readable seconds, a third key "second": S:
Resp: {"hour": 3, "minute": 45, "second": 37}
